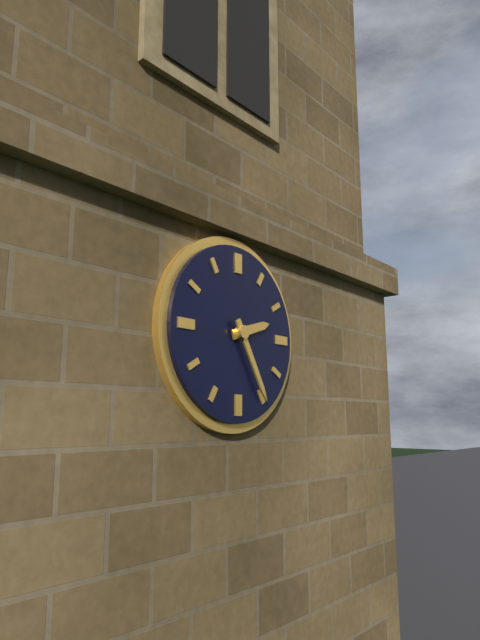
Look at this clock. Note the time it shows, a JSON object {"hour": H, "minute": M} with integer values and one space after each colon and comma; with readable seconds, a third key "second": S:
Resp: {"hour": 2, "minute": 25}
